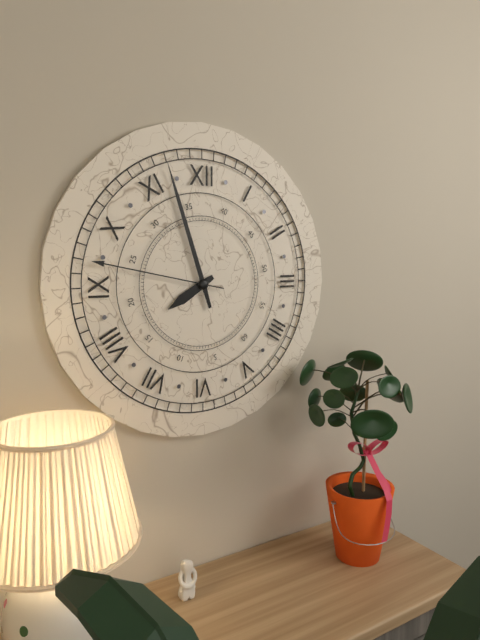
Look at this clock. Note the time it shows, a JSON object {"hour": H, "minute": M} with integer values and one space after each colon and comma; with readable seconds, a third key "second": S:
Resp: {"hour": 7, "minute": 57, "second": 47}
